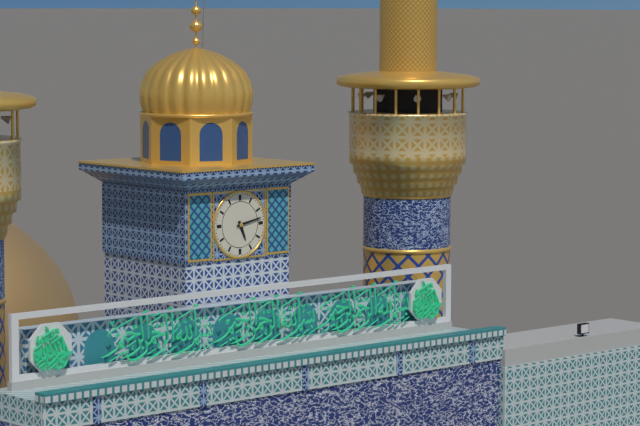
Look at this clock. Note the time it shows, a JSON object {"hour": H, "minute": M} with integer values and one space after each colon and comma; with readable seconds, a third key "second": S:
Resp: {"hour": 5, "minute": 13}
